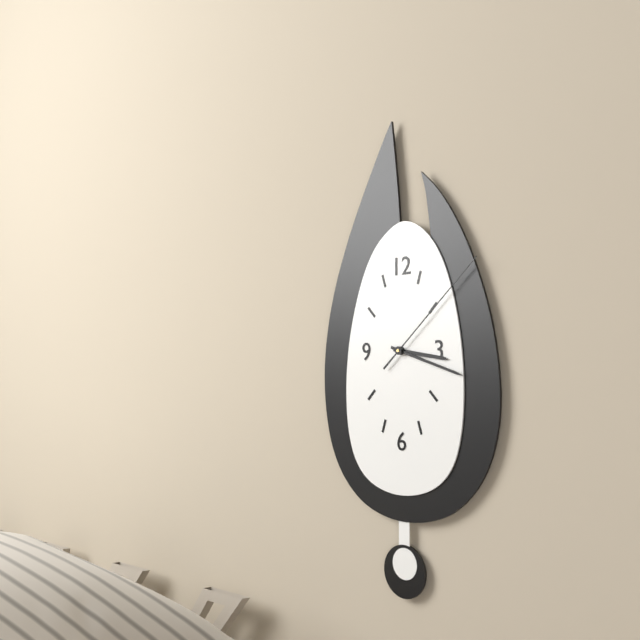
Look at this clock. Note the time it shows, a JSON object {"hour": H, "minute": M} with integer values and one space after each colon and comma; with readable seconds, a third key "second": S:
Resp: {"hour": 3, "minute": 18, "second": 8}
